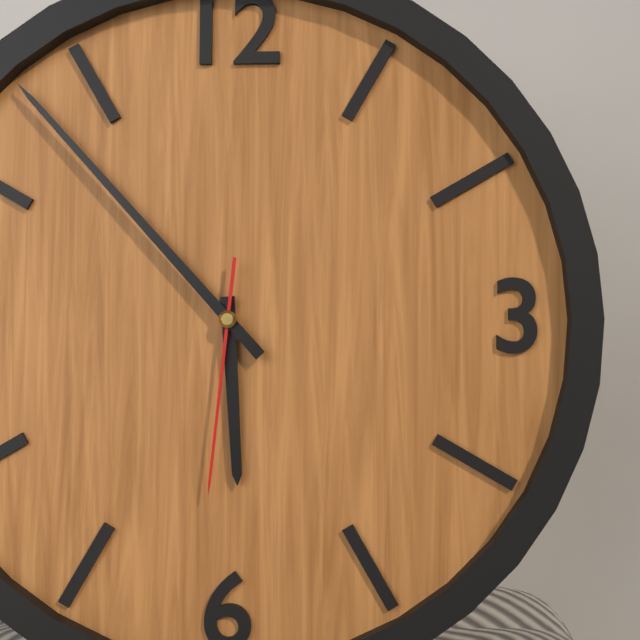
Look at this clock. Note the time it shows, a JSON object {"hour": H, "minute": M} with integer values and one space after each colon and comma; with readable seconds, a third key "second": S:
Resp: {"hour": 5, "minute": 53, "second": 31}
